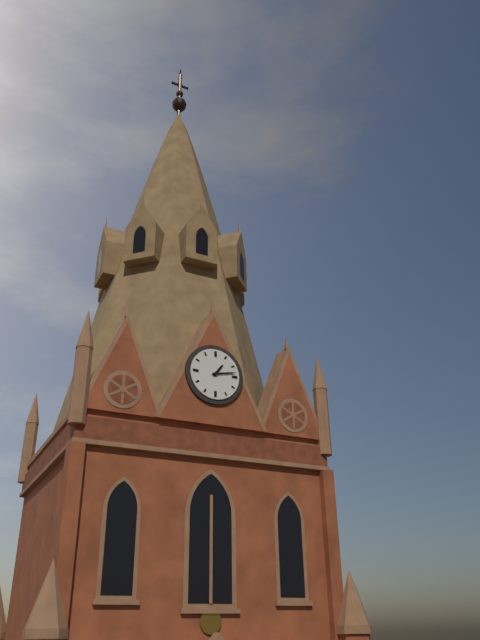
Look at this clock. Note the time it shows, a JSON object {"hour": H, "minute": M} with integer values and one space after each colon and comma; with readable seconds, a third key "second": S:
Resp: {"hour": 1, "minute": 13}
